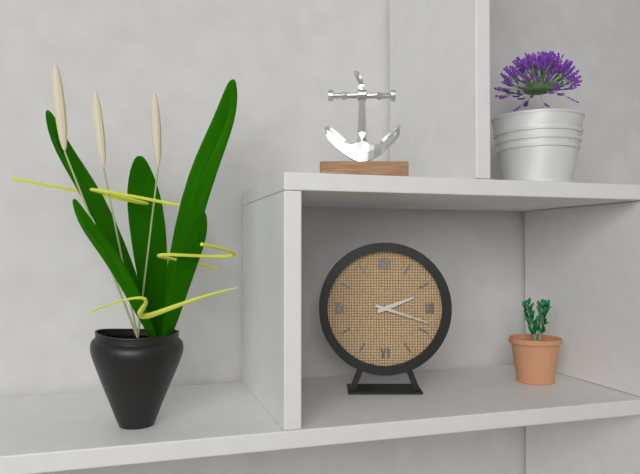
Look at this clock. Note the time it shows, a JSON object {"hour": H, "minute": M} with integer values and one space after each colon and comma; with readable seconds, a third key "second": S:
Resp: {"hour": 2, "minute": 18}
